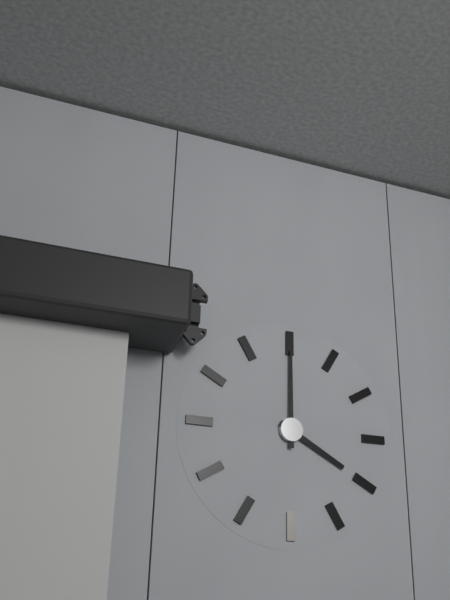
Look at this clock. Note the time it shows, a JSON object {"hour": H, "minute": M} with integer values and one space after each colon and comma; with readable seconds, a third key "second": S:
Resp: {"hour": 4, "minute": 0}
